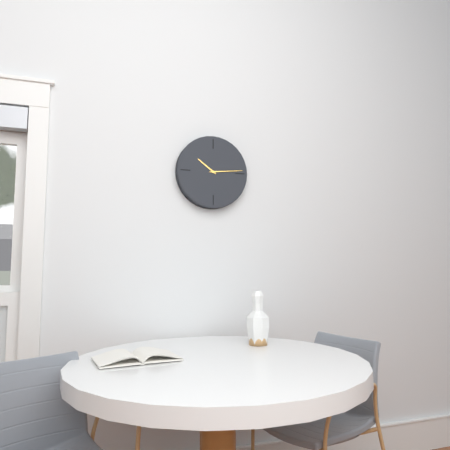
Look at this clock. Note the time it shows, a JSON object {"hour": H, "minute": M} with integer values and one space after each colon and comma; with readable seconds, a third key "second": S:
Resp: {"hour": 10, "minute": 14}
